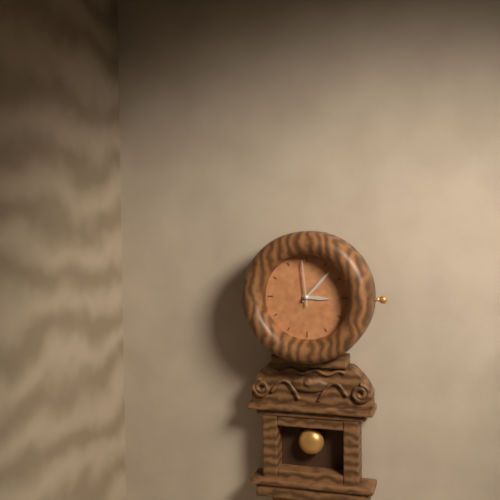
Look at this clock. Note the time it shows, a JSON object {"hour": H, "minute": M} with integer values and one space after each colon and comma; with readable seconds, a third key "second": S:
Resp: {"hour": 3, "minute": 7}
